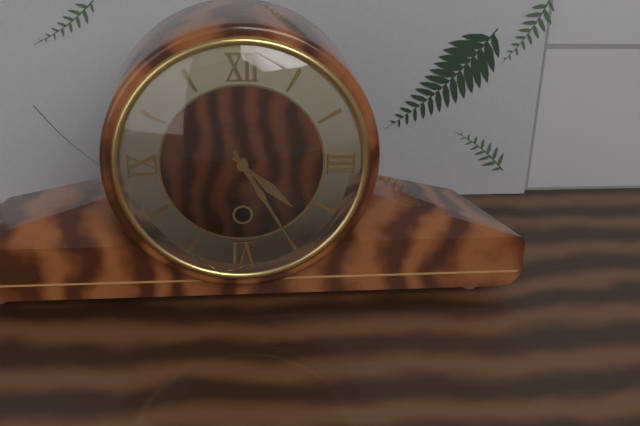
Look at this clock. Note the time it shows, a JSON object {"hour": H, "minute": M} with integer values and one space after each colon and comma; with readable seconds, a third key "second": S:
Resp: {"hour": 4, "minute": 25}
